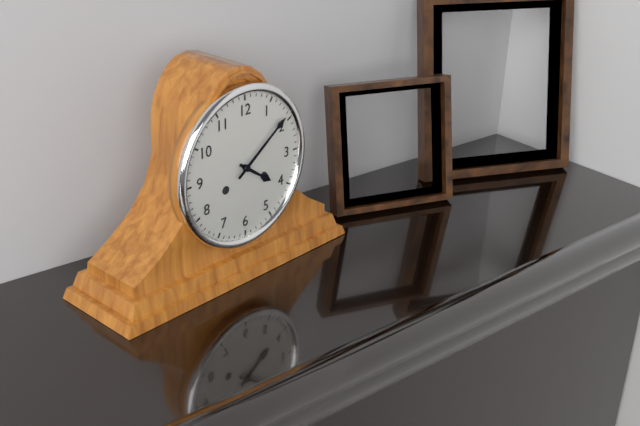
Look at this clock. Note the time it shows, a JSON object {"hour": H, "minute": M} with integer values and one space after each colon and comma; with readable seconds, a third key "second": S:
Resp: {"hour": 4, "minute": 9}
